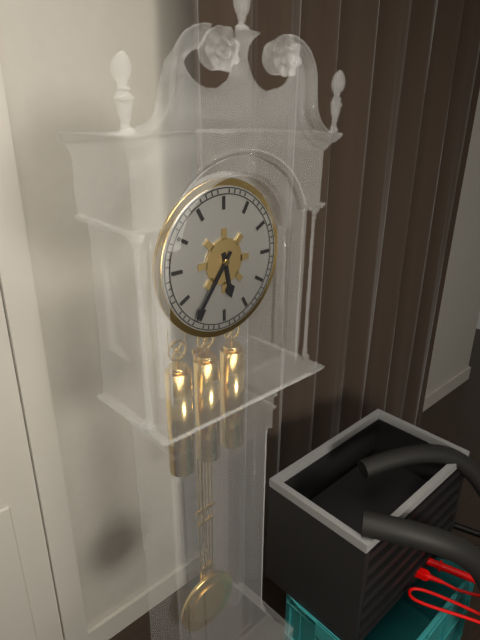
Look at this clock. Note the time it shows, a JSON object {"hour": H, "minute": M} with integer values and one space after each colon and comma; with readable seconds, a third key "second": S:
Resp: {"hour": 5, "minute": 36}
